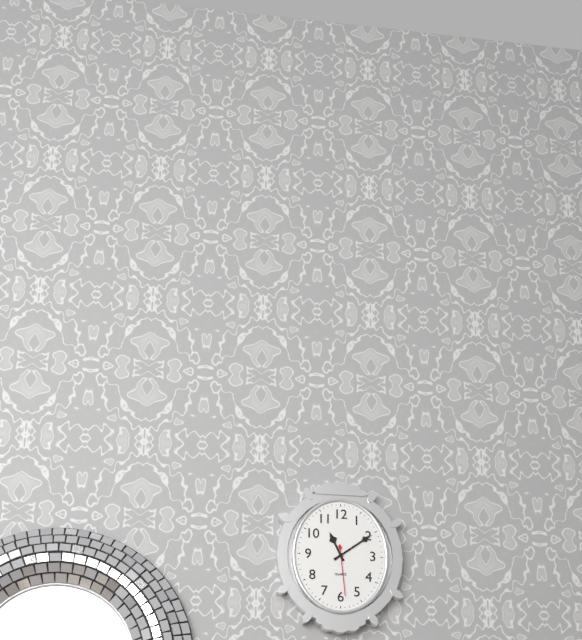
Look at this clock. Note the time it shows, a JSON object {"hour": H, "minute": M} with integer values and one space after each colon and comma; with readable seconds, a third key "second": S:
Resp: {"hour": 11, "minute": 9, "second": 29}
